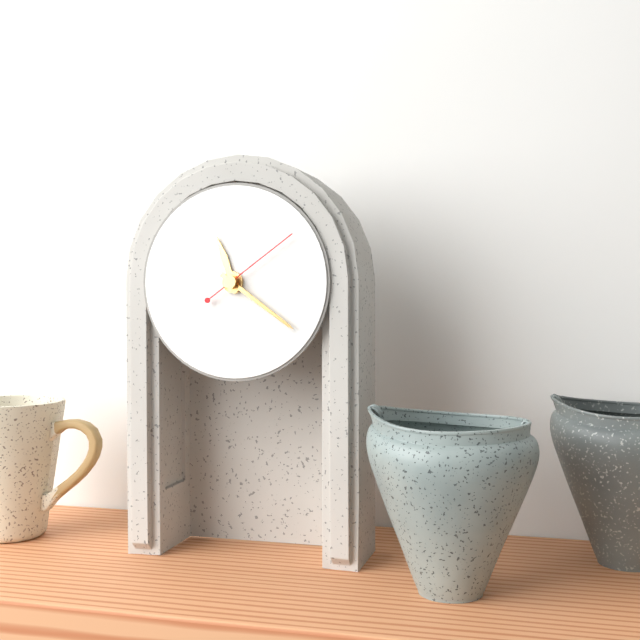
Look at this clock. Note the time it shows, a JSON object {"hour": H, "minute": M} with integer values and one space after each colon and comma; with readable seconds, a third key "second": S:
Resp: {"hour": 11, "minute": 21, "second": 9}
